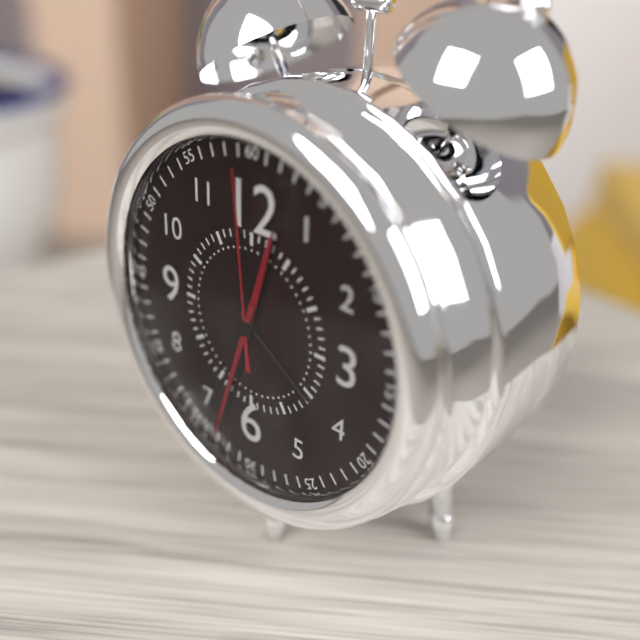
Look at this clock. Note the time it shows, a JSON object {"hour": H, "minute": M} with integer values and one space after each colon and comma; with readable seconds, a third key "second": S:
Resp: {"hour": 12, "minute": 33, "second": 59}
